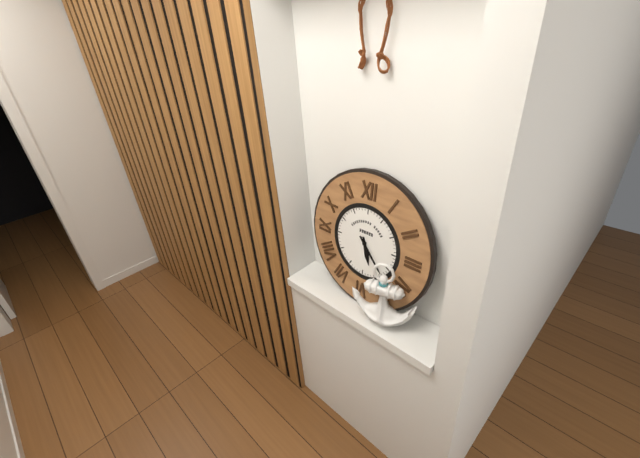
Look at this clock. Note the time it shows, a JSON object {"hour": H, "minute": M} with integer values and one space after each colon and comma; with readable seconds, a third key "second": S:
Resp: {"hour": 5, "minute": 23}
